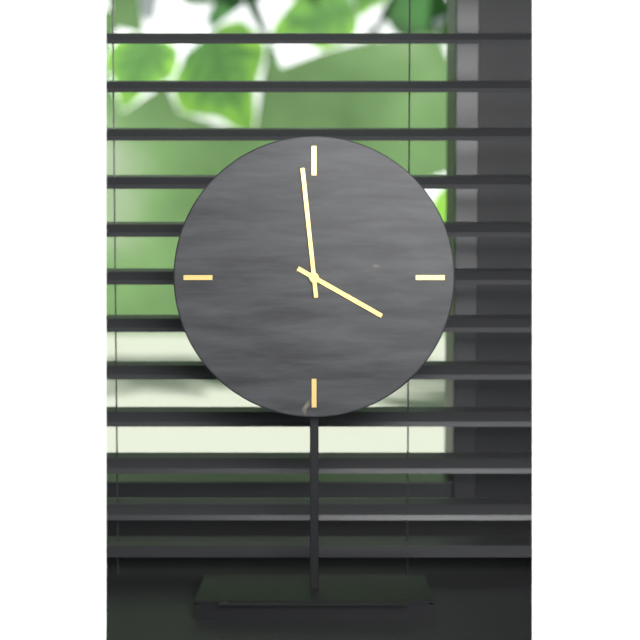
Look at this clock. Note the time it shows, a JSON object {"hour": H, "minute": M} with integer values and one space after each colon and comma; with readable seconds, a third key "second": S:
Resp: {"hour": 3, "minute": 59}
